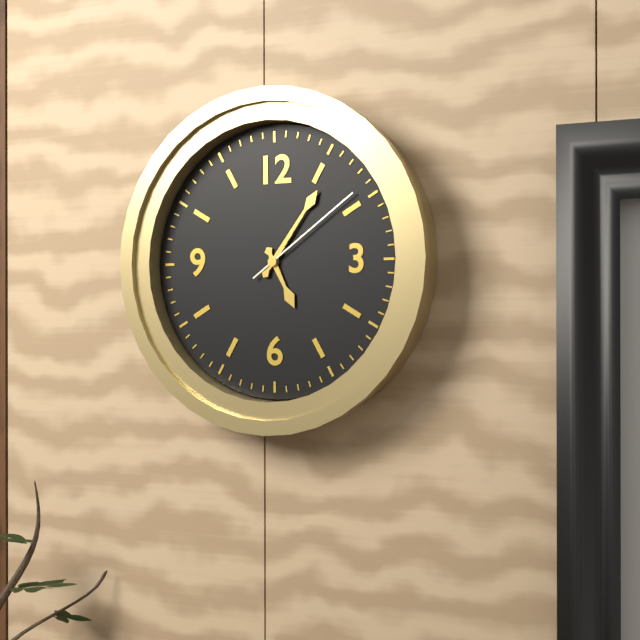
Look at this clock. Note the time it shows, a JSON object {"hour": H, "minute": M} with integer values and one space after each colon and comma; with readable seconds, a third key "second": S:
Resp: {"hour": 5, "minute": 6, "second": 9}
